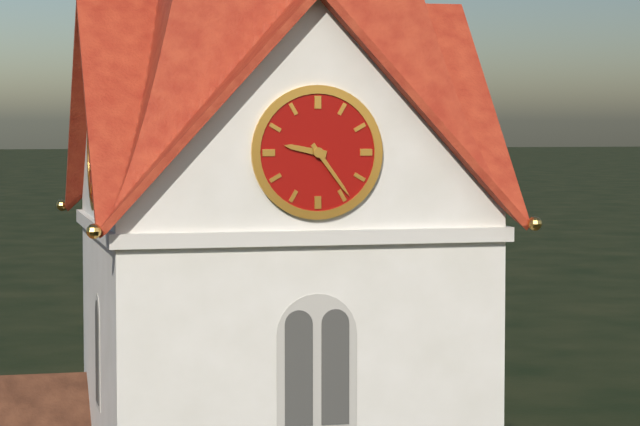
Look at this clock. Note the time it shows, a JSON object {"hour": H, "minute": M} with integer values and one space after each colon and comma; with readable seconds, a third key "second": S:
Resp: {"hour": 9, "minute": 24}
